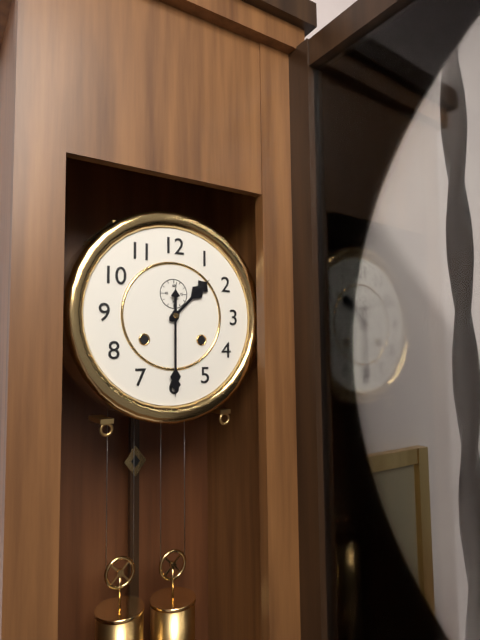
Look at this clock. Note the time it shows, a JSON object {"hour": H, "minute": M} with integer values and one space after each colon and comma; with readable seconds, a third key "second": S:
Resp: {"hour": 1, "minute": 30}
